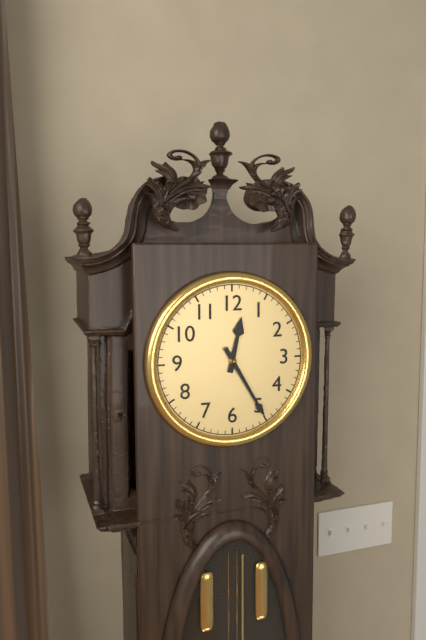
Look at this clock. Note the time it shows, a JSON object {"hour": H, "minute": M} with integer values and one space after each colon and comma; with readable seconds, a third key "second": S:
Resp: {"hour": 12, "minute": 25}
